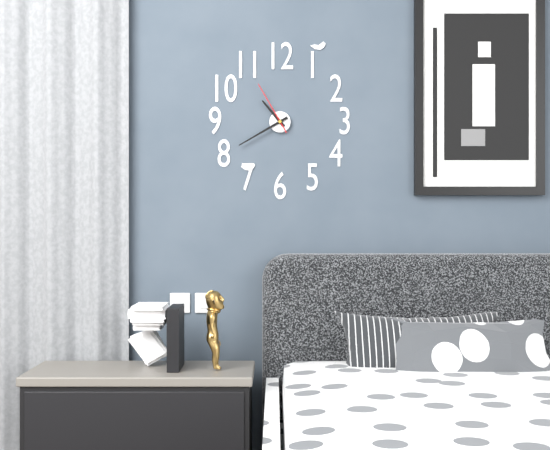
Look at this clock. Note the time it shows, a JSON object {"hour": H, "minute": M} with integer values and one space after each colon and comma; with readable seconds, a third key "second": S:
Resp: {"hour": 10, "minute": 40, "second": 55}
